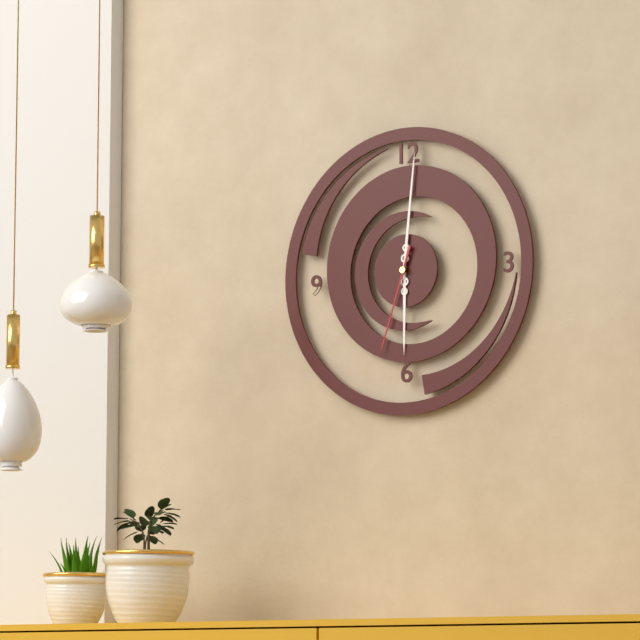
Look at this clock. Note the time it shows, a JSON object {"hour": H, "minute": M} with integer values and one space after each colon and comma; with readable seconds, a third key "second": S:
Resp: {"hour": 6, "minute": 1, "second": 33}
